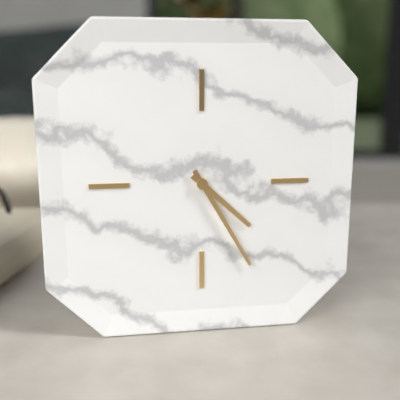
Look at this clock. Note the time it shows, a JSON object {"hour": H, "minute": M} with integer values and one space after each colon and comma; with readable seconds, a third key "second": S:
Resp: {"hour": 4, "minute": 25}
